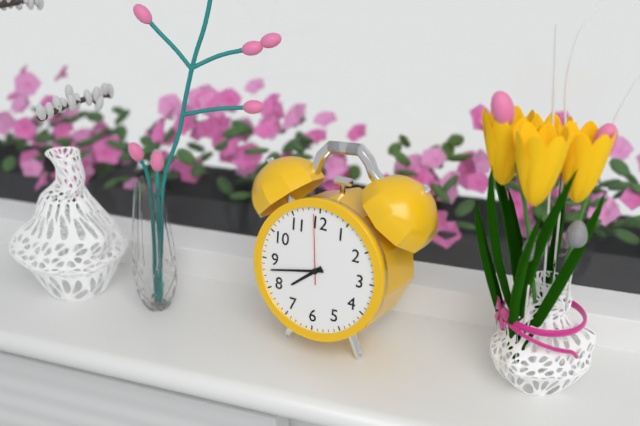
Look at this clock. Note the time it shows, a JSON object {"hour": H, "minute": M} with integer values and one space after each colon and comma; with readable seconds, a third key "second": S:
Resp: {"hour": 7, "minute": 43, "second": 59}
